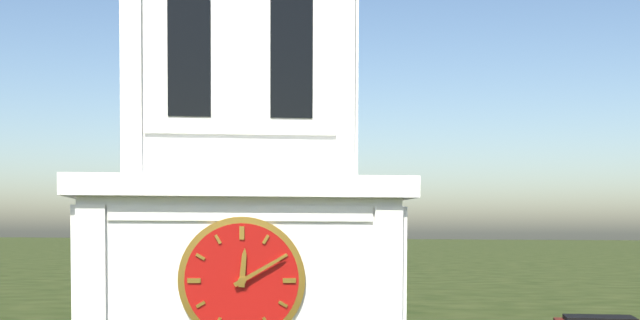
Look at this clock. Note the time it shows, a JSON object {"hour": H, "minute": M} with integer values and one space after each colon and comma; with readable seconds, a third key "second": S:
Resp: {"hour": 12, "minute": 10}
